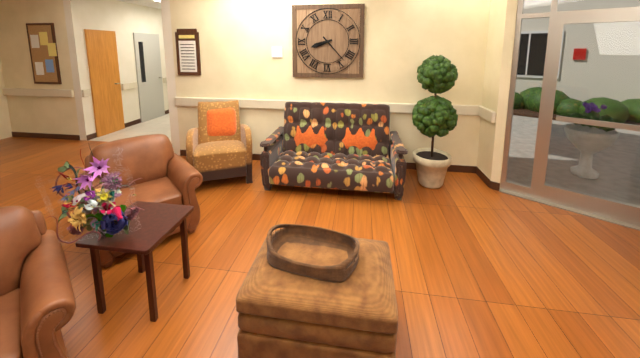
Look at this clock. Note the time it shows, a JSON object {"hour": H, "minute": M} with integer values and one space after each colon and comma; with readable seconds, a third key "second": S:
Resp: {"hour": 8, "minute": 23}
